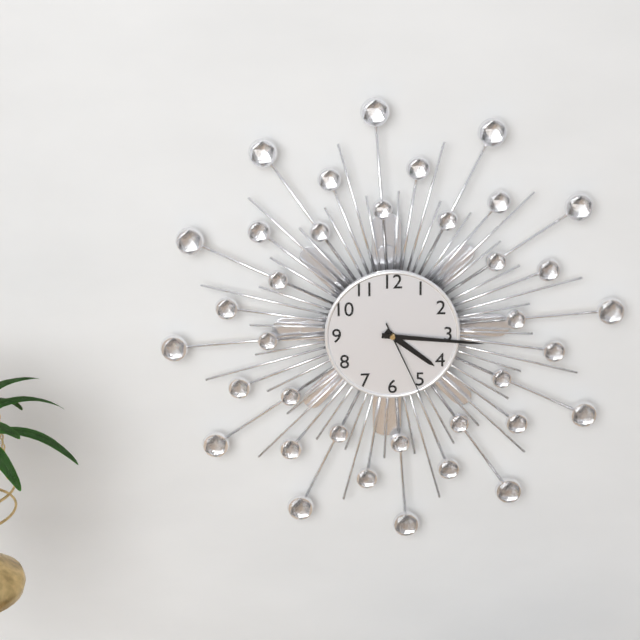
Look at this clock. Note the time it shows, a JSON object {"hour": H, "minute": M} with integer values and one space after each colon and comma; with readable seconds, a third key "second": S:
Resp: {"hour": 4, "minute": 16, "second": 26}
